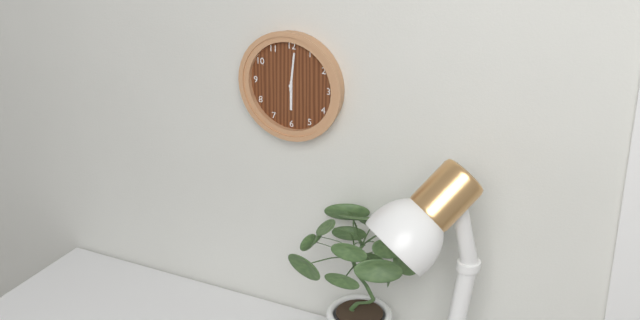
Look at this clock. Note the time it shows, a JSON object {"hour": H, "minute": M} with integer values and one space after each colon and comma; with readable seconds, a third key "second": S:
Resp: {"hour": 6, "minute": 1}
